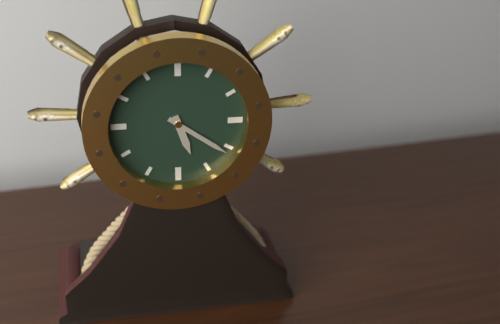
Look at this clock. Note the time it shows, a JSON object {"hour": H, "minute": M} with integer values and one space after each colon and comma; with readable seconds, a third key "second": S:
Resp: {"hour": 5, "minute": 21}
